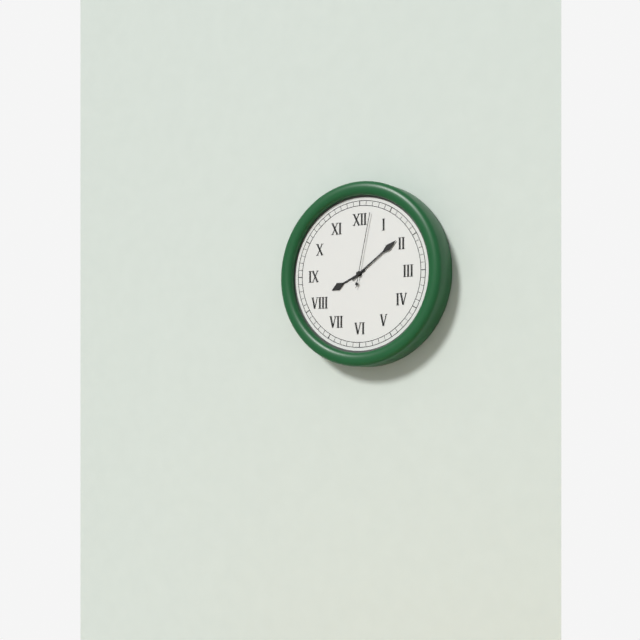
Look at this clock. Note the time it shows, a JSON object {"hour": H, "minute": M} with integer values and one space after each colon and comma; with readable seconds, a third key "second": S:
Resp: {"hour": 8, "minute": 9, "second": 2}
